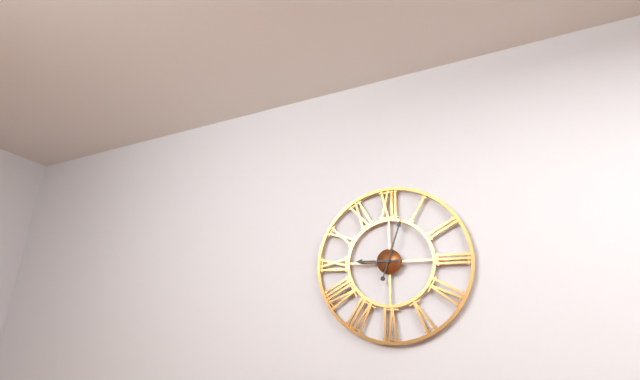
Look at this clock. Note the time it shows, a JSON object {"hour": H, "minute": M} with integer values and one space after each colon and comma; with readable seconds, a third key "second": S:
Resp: {"hour": 9, "minute": 3}
